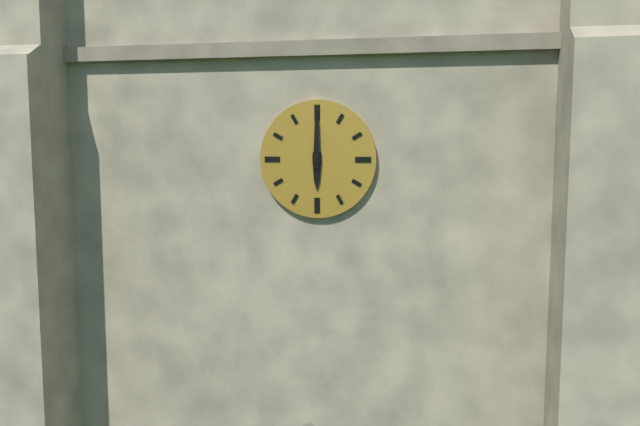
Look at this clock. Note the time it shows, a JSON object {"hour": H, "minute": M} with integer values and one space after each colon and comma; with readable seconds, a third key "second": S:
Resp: {"hour": 6, "minute": 0}
